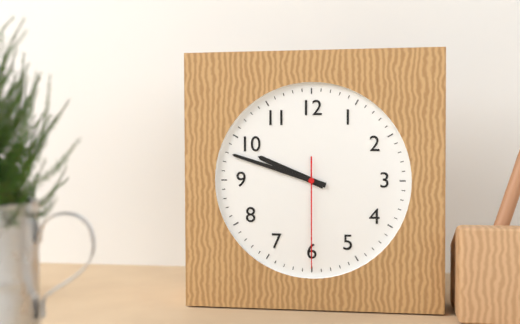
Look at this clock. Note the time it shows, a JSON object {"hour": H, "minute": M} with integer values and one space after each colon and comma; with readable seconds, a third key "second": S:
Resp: {"hour": 9, "minute": 48, "second": 30}
